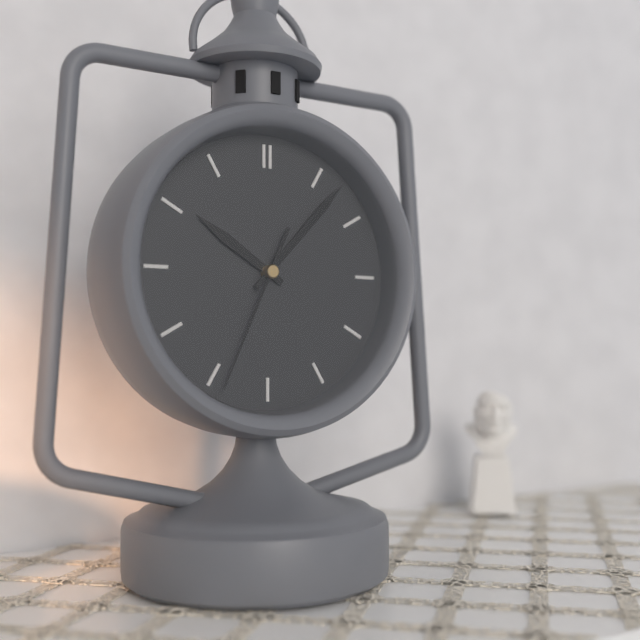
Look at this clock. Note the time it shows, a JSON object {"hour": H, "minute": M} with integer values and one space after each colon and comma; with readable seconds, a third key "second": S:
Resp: {"hour": 10, "minute": 7, "second": 34}
